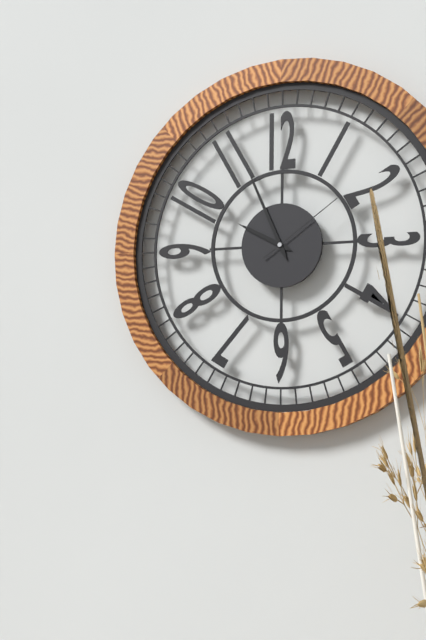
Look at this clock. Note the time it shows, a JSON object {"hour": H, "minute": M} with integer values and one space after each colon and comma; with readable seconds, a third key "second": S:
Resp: {"hour": 9, "minute": 56, "second": 9}
